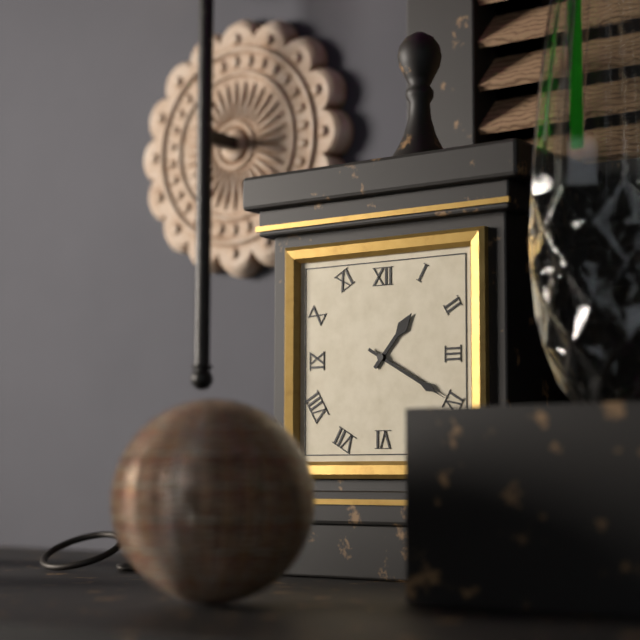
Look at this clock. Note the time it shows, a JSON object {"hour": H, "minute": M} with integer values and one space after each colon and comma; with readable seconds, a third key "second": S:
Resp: {"hour": 1, "minute": 20}
